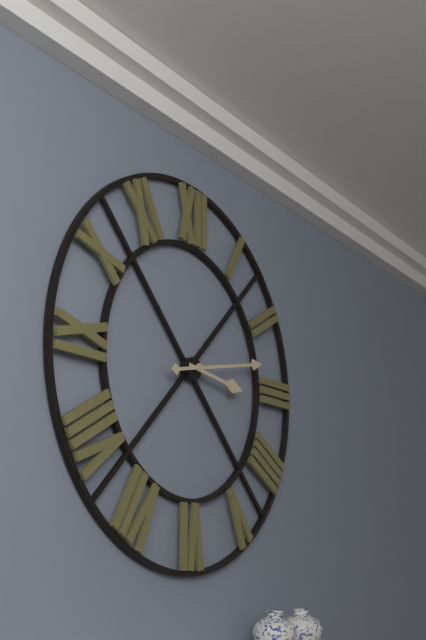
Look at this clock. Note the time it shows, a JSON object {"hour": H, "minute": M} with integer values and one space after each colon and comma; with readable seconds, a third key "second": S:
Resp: {"hour": 3, "minute": 13}
